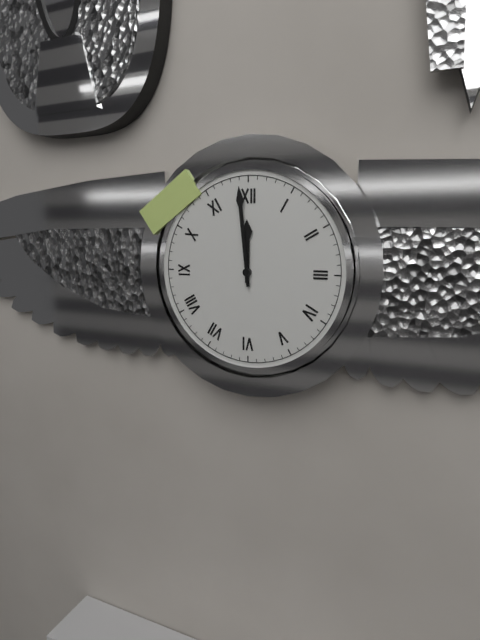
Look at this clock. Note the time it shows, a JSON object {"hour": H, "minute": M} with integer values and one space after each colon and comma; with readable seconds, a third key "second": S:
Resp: {"hour": 11, "minute": 59}
